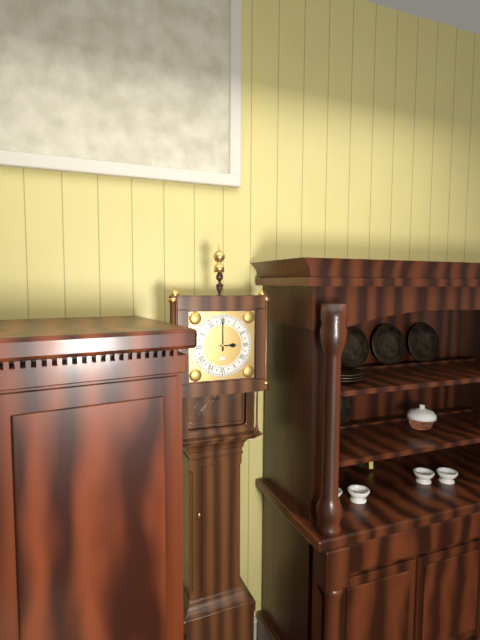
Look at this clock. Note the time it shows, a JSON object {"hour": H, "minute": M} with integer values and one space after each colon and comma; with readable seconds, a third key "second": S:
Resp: {"hour": 3, "minute": 0}
